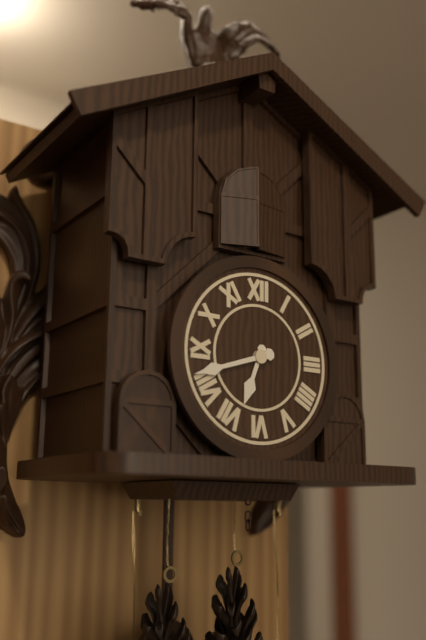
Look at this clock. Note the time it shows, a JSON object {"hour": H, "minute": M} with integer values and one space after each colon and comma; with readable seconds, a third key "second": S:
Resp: {"hour": 6, "minute": 42}
